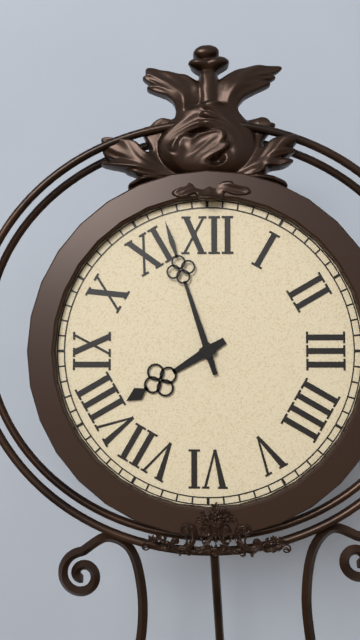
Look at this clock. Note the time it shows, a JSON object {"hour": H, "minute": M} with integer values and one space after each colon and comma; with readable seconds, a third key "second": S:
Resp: {"hour": 7, "minute": 57}
